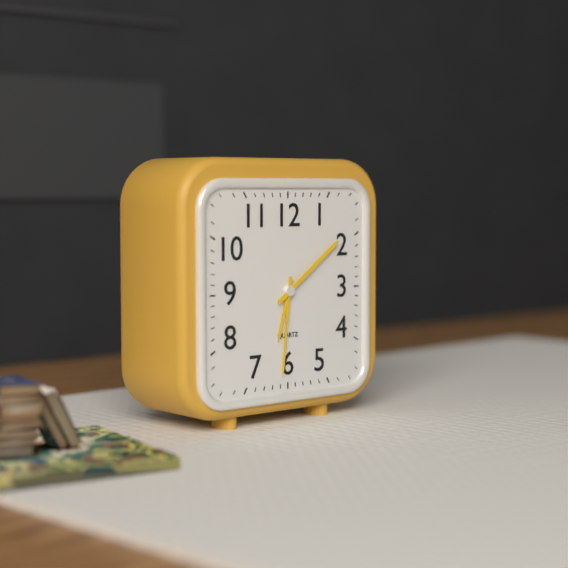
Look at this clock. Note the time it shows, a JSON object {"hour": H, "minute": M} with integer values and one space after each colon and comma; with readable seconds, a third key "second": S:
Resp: {"hour": 6, "minute": 31, "second": 9}
